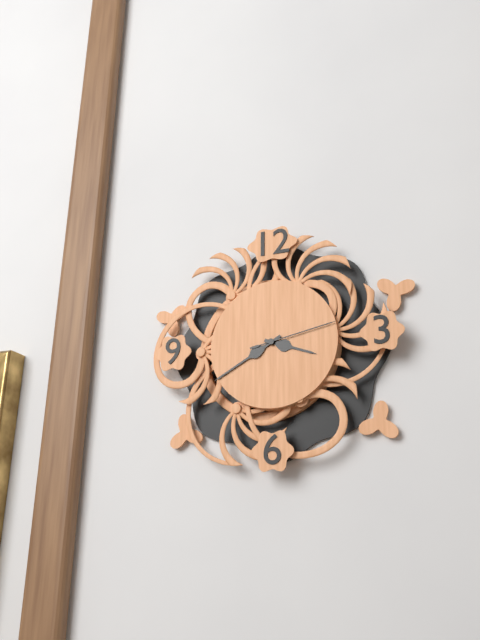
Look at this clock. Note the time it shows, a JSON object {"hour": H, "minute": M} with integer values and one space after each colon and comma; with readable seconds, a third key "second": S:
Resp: {"hour": 3, "minute": 40, "second": 13}
